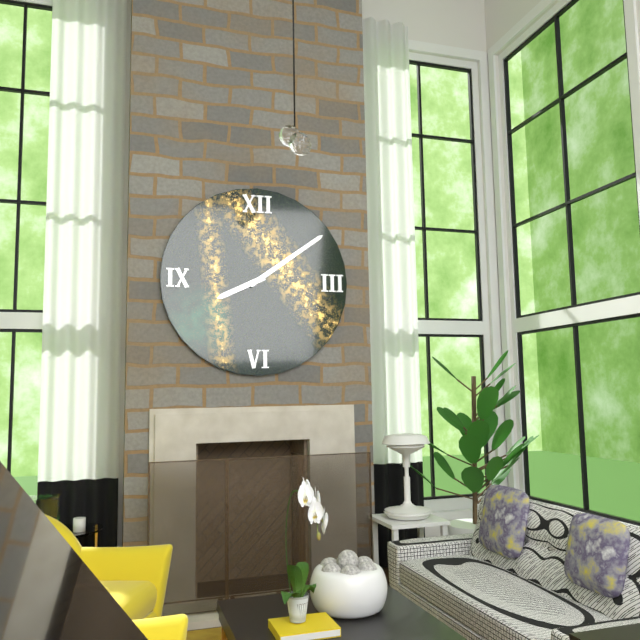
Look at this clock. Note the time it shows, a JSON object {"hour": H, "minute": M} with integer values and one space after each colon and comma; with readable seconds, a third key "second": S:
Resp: {"hour": 8, "minute": 9}
